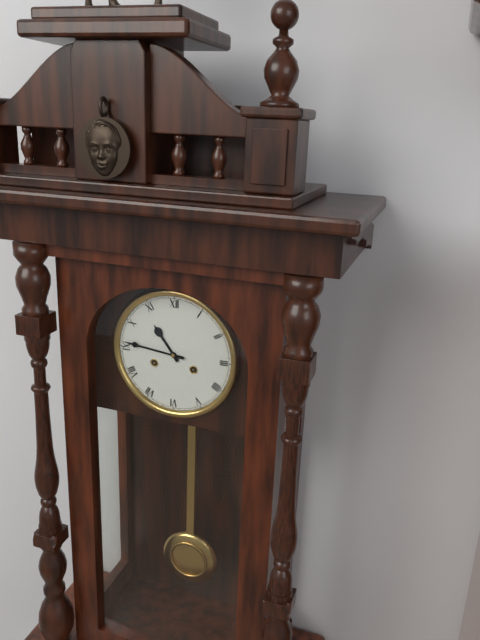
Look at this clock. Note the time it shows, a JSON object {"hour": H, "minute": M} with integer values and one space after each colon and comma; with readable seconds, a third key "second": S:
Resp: {"hour": 10, "minute": 46}
